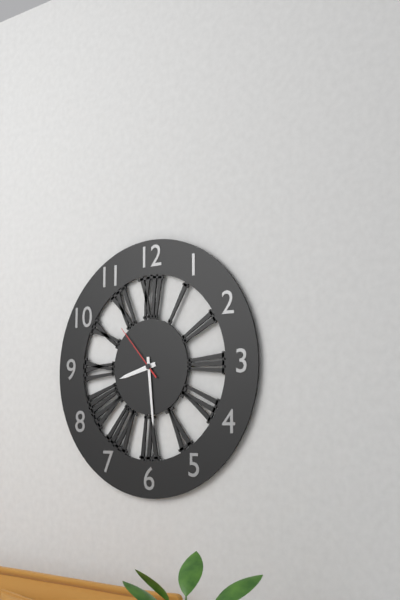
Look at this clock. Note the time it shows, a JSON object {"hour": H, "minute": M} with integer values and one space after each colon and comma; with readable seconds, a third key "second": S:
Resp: {"hour": 8, "minute": 29, "second": 53}
